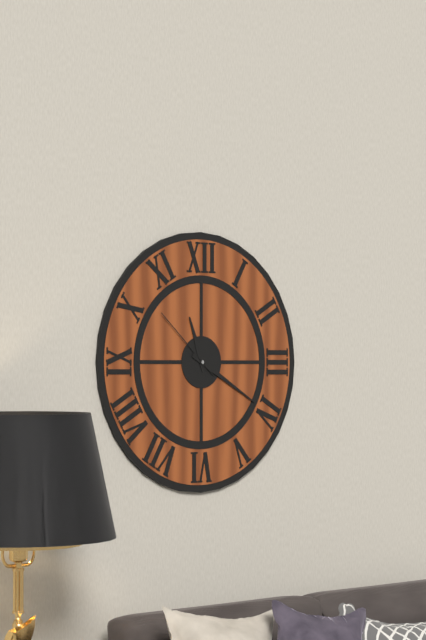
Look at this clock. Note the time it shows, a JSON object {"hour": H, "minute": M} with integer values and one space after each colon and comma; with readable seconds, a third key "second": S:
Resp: {"hour": 11, "minute": 20, "second": 52}
